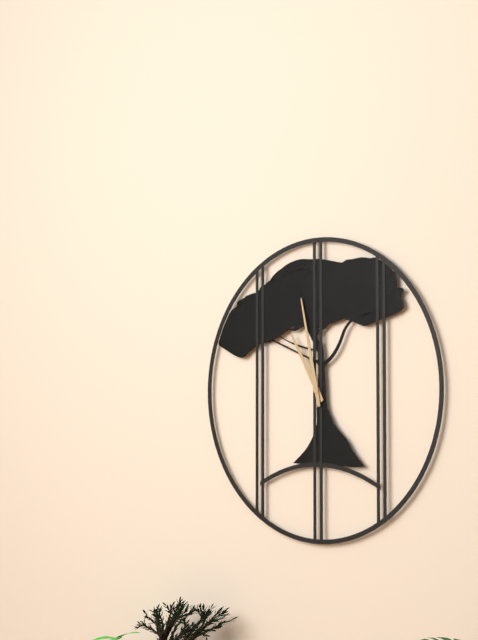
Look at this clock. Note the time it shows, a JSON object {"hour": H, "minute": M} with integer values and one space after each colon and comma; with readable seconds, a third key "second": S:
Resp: {"hour": 10, "minute": 58}
